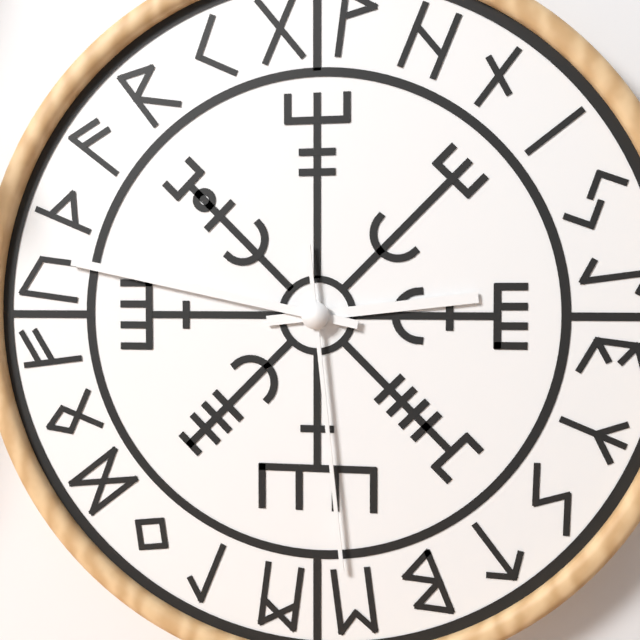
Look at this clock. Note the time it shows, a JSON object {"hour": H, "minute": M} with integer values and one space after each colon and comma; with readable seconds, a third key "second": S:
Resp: {"hour": 2, "minute": 47, "second": 29}
